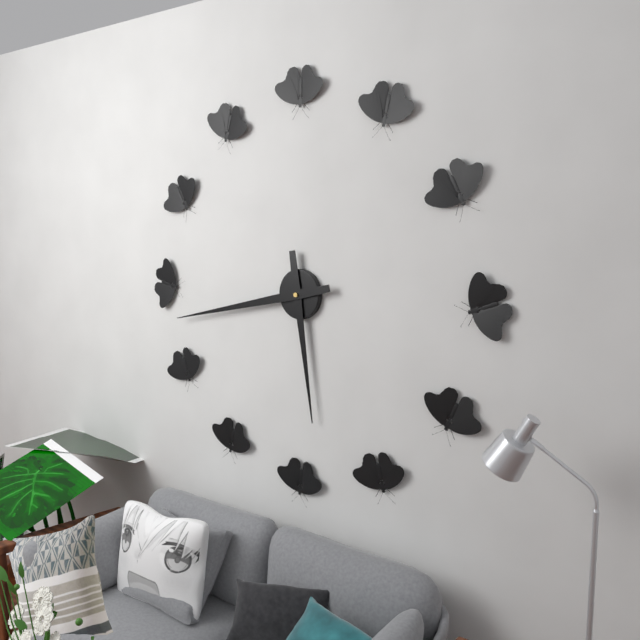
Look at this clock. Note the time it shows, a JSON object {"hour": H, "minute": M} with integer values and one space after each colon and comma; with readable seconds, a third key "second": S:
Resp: {"hour": 5, "minute": 43}
